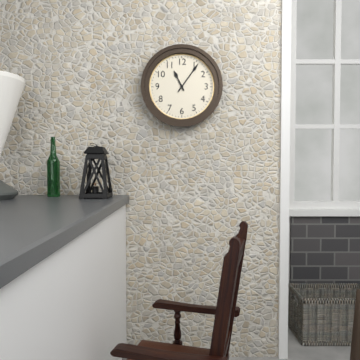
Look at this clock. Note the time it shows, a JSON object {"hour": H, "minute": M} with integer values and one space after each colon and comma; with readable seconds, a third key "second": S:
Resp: {"hour": 11, "minute": 6}
